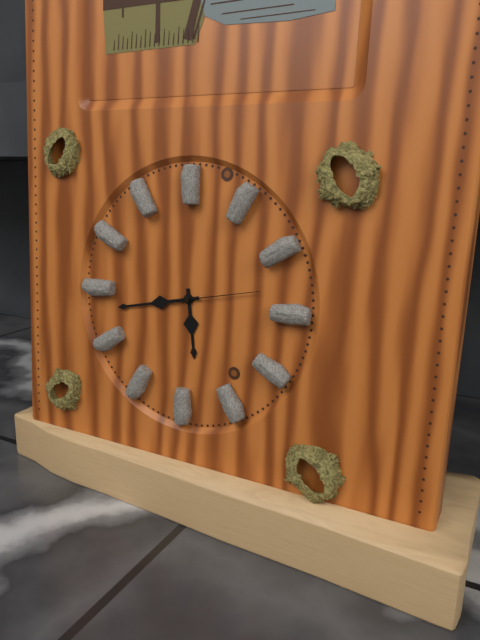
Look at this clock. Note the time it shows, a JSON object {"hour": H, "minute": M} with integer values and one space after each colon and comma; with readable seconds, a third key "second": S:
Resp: {"hour": 5, "minute": 43, "second": 13}
